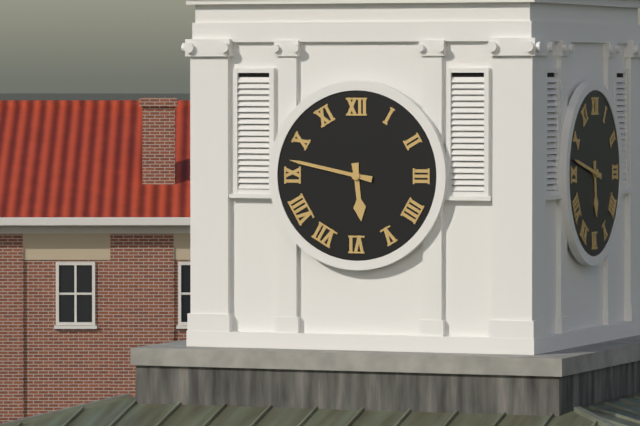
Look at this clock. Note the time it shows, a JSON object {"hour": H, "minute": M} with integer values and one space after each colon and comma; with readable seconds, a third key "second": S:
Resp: {"hour": 5, "minute": 47}
